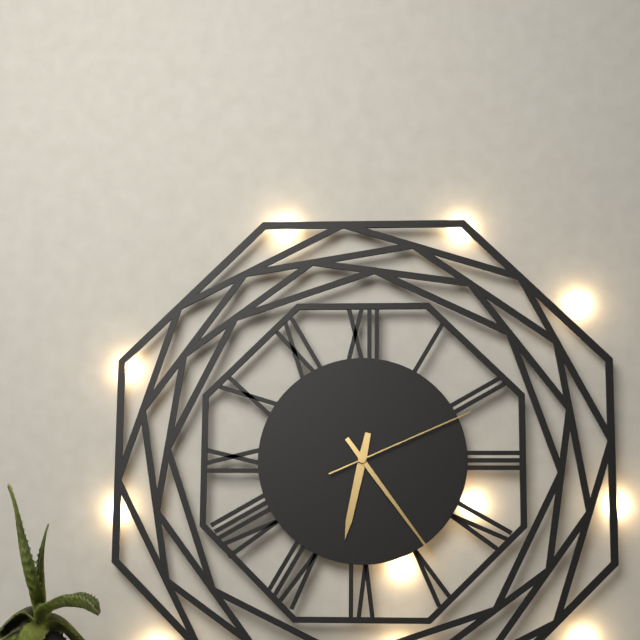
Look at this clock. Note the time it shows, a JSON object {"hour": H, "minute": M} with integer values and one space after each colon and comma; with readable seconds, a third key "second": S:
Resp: {"hour": 6, "minute": 24, "second": 11}
